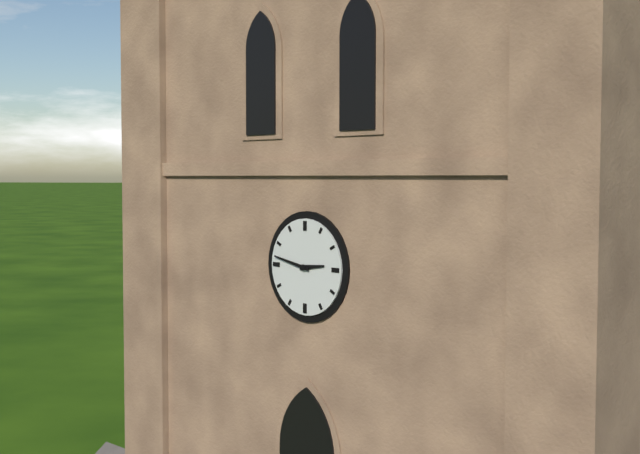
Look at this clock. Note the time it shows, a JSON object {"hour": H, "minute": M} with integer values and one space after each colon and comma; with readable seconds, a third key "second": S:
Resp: {"hour": 2, "minute": 47}
